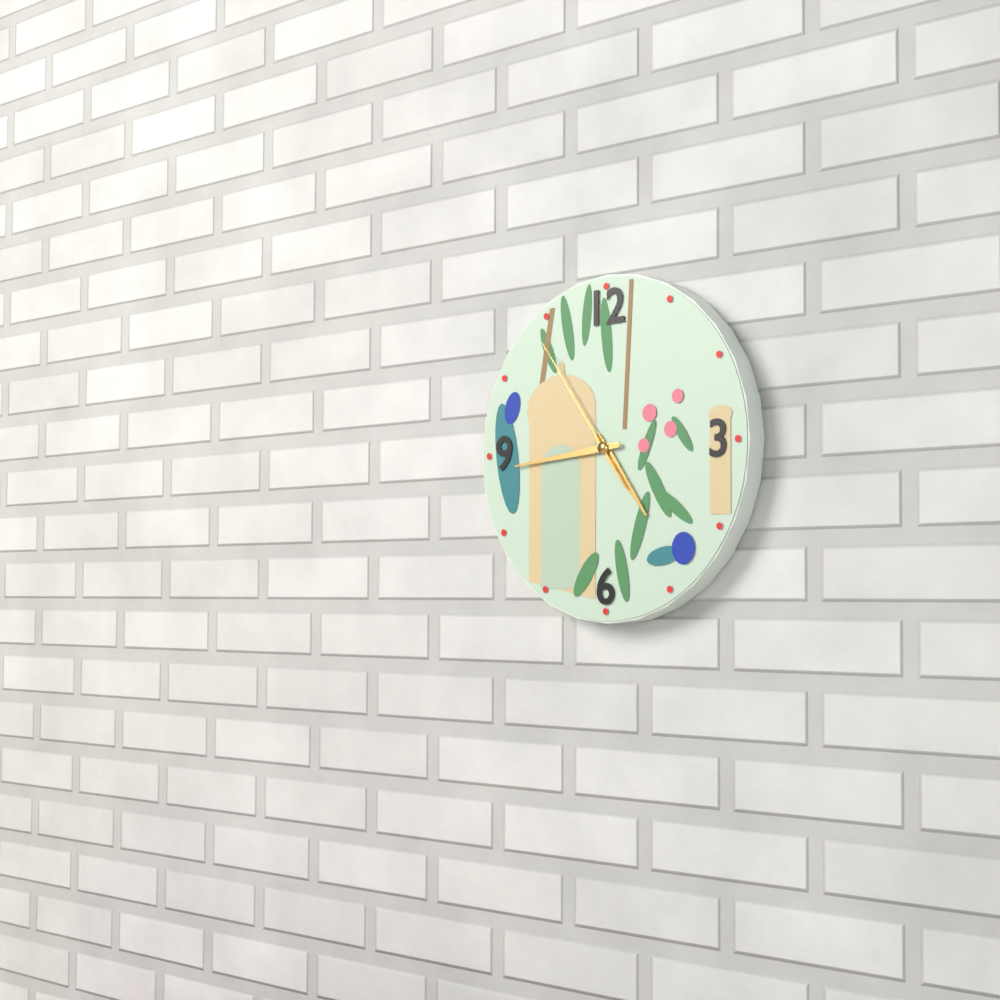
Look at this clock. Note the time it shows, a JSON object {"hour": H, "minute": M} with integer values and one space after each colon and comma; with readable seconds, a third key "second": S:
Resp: {"hour": 4, "minute": 44, "second": 54}
